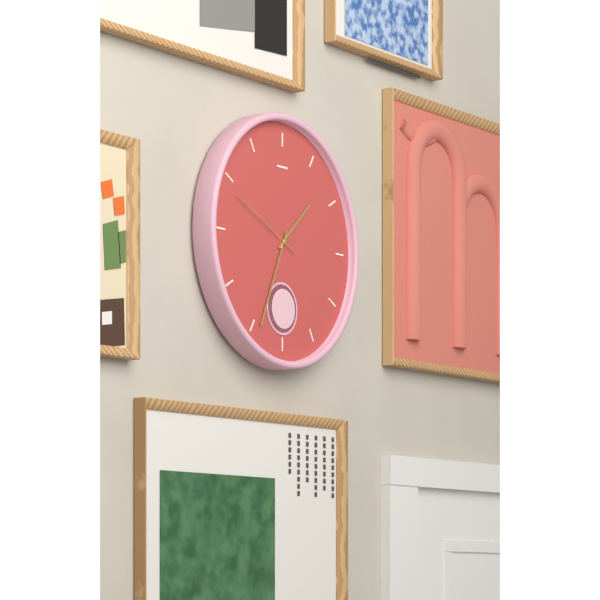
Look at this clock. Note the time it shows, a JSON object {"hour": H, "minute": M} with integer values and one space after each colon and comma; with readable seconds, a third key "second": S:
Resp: {"hour": 1, "minute": 34, "second": 49}
